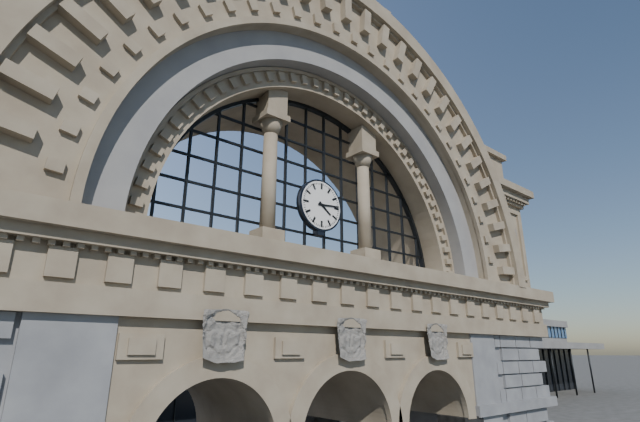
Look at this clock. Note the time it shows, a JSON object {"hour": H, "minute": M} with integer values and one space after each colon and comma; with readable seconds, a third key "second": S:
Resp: {"hour": 4, "minute": 14}
